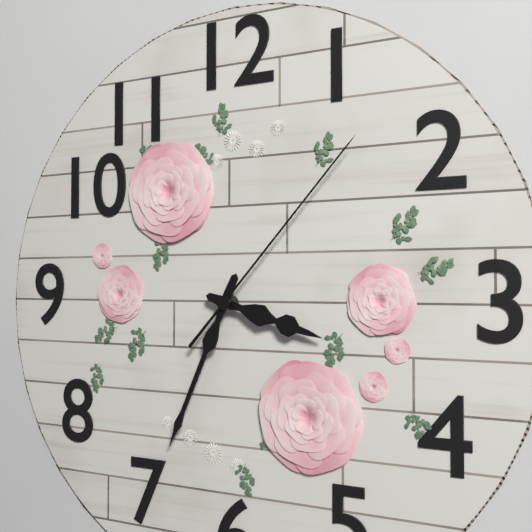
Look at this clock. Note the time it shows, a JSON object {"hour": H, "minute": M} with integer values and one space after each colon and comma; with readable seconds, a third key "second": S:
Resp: {"hour": 3, "minute": 34, "second": 7}
